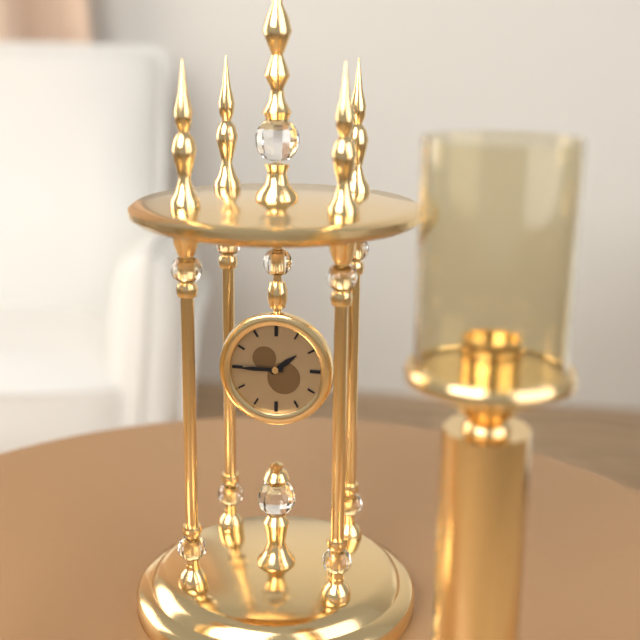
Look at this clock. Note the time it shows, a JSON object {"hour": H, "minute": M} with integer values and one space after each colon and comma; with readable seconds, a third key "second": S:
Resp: {"hour": 1, "minute": 45}
